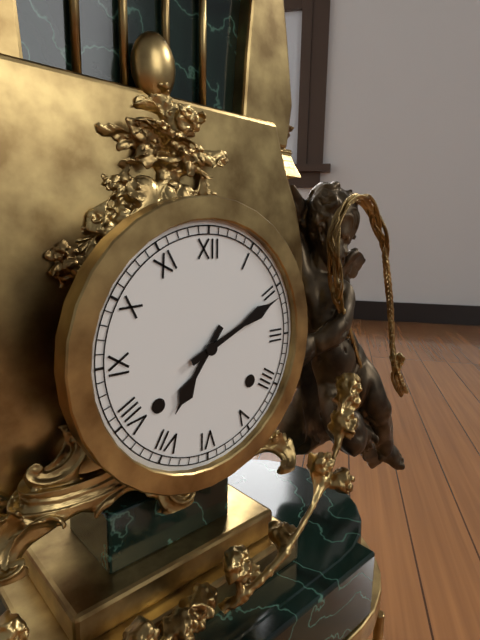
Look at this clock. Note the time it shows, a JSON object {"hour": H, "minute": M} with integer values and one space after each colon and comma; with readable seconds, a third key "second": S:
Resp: {"hour": 7, "minute": 11}
